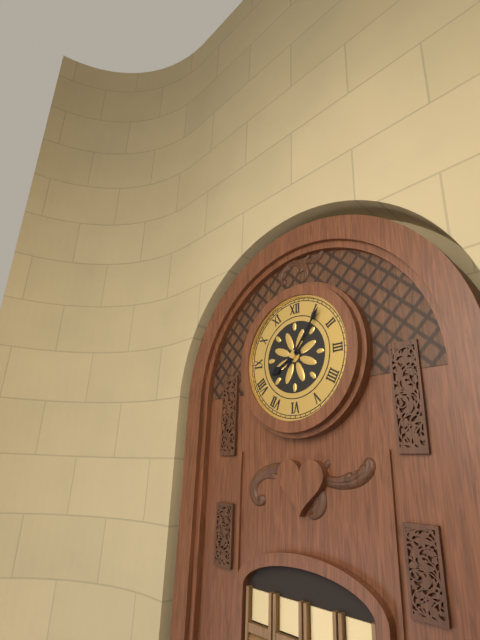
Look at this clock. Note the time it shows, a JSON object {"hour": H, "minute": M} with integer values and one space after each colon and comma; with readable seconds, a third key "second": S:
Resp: {"hour": 8, "minute": 6}
